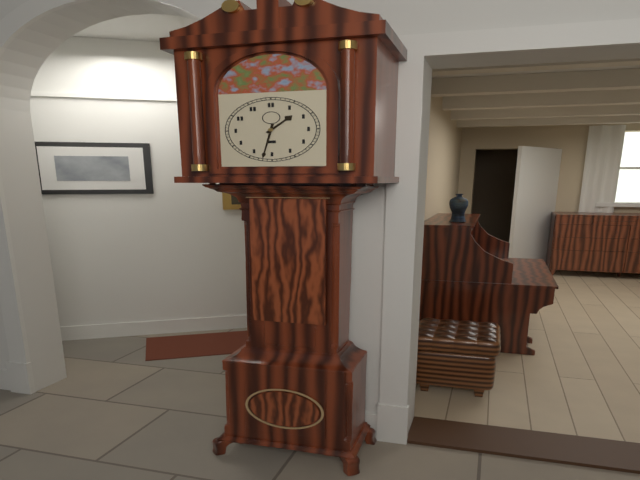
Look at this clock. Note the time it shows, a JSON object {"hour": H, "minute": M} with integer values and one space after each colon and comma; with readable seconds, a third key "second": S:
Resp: {"hour": 1, "minute": 32}
